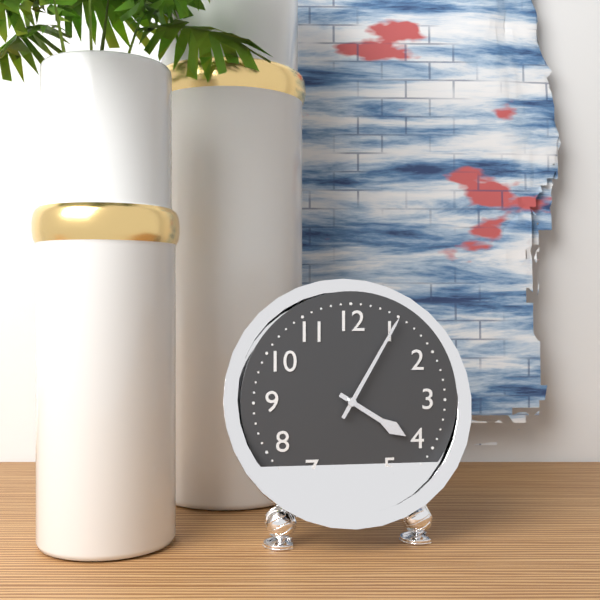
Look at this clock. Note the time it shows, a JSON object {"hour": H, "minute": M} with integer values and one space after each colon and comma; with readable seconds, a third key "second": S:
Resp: {"hour": 4, "minute": 5}
